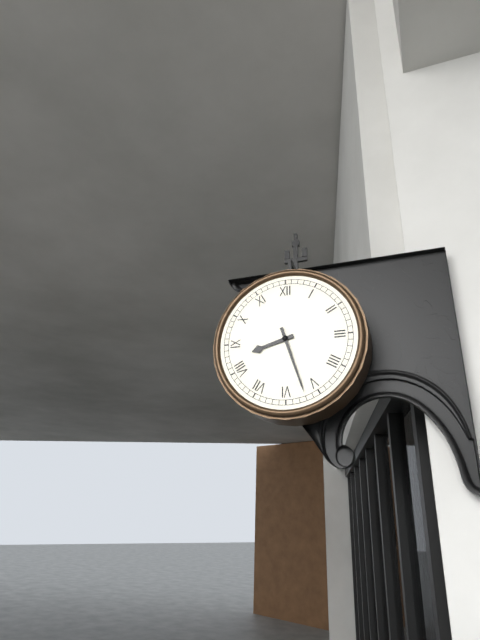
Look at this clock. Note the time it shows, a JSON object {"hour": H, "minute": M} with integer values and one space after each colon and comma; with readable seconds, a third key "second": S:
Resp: {"hour": 8, "minute": 27}
